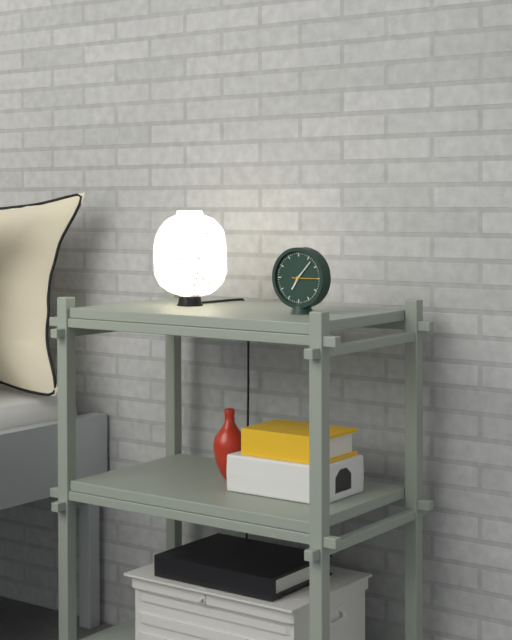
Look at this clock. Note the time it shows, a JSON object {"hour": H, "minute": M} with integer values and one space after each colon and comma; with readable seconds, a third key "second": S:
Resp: {"hour": 7, "minute": 7}
